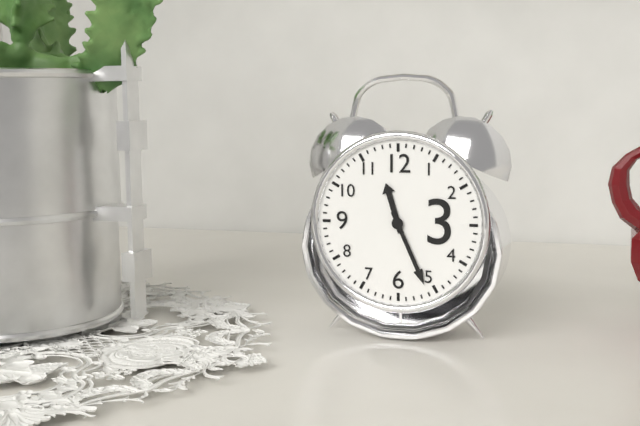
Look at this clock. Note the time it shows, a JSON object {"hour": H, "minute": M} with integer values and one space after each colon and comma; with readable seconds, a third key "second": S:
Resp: {"hour": 11, "minute": 26}
